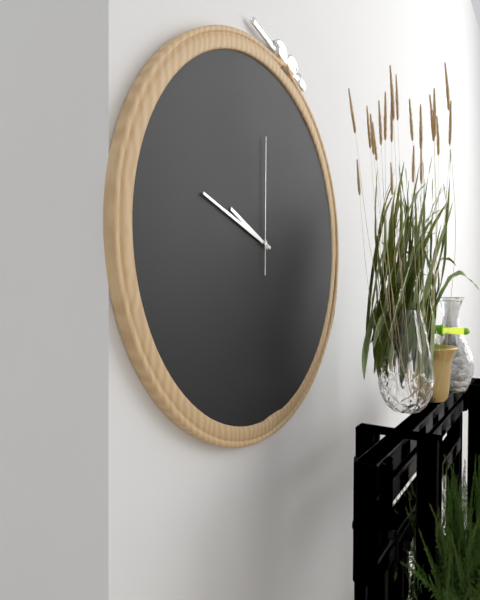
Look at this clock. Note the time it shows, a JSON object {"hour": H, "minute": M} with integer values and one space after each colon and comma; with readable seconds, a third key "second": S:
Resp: {"hour": 9, "minute": 48, "second": 0}
